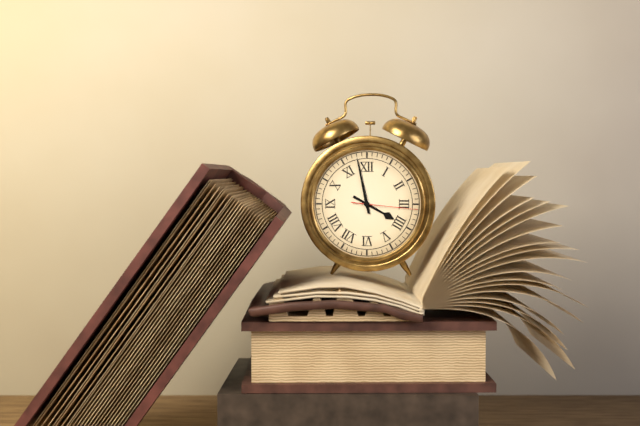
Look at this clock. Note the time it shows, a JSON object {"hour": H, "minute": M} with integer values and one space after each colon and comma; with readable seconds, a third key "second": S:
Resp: {"hour": 3, "minute": 58, "second": 16}
